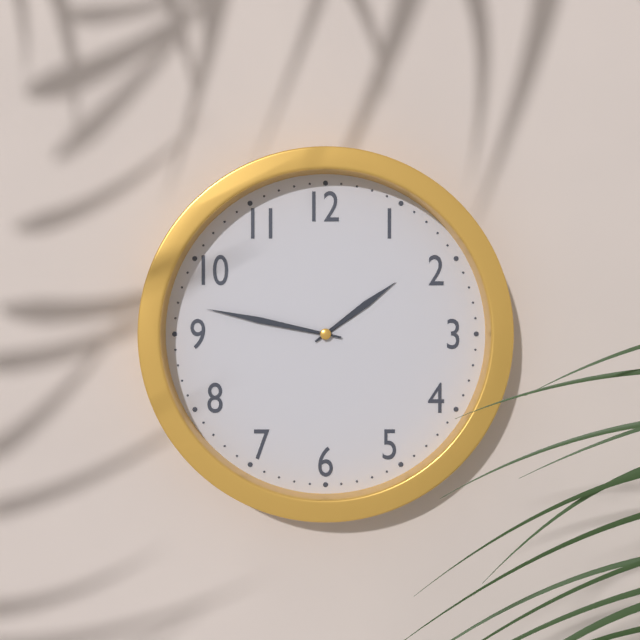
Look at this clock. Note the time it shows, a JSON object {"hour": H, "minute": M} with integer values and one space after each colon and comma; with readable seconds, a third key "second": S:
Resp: {"hour": 1, "minute": 47}
